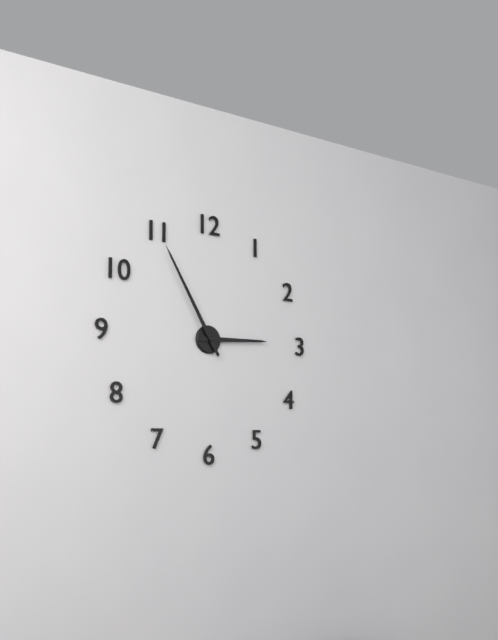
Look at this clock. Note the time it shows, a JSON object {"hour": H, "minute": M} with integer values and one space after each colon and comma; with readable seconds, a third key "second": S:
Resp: {"hour": 2, "minute": 55}
